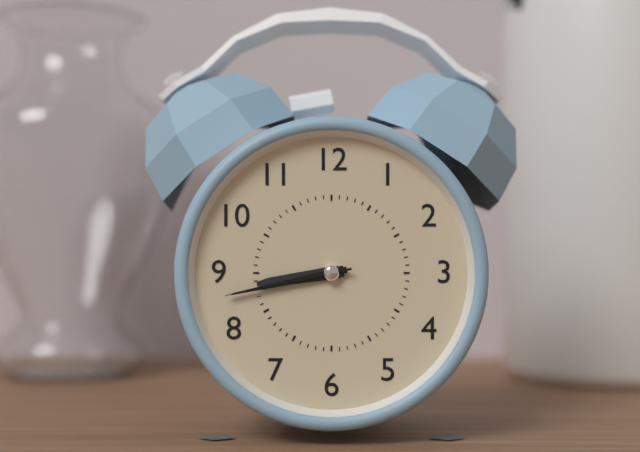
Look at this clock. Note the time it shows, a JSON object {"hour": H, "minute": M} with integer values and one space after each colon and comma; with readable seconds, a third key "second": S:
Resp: {"hour": 8, "minute": 43, "second": 43}
